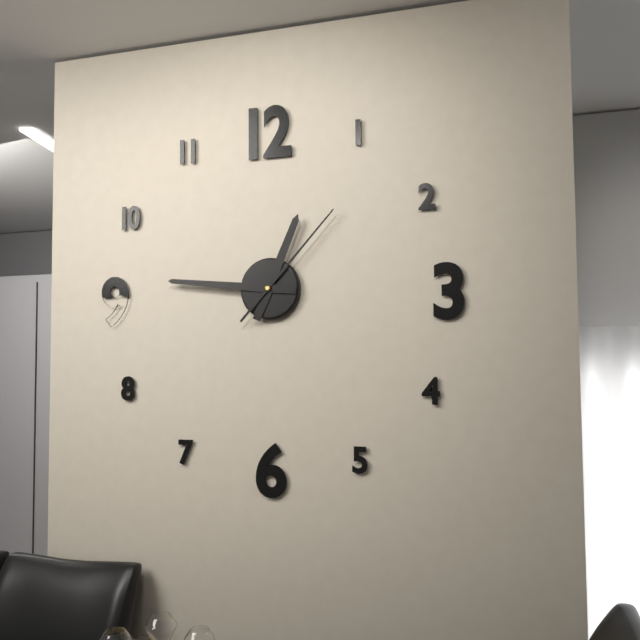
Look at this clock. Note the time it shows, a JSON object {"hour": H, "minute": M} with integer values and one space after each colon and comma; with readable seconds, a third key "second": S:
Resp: {"hour": 12, "minute": 46, "second": 7}
